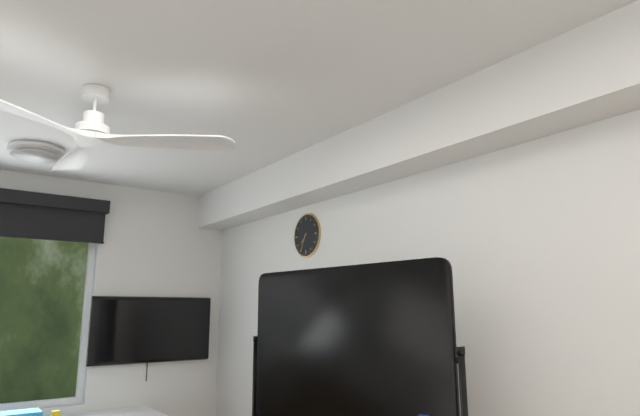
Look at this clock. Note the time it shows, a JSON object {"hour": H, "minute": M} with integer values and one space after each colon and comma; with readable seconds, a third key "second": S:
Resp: {"hour": 7, "minute": 35}
